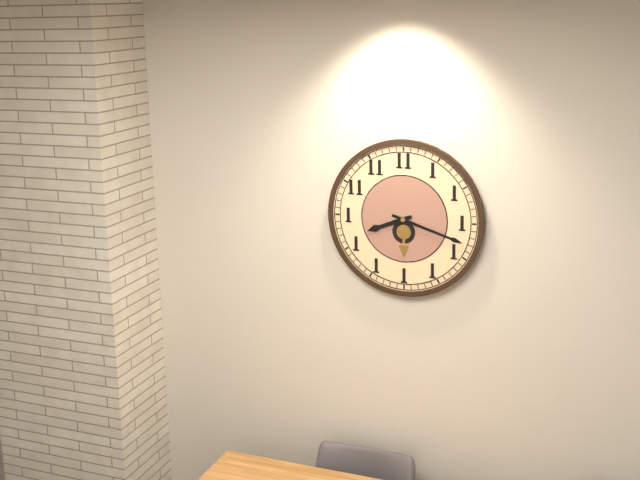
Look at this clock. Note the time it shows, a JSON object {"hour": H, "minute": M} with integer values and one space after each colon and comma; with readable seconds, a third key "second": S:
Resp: {"hour": 8, "minute": 18}
